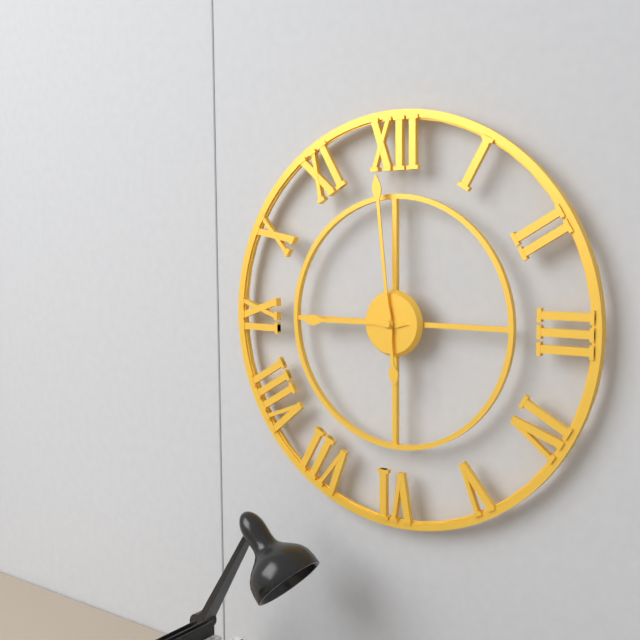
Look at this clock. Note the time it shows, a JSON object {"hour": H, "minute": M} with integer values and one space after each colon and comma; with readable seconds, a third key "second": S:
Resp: {"hour": 8, "minute": 59}
